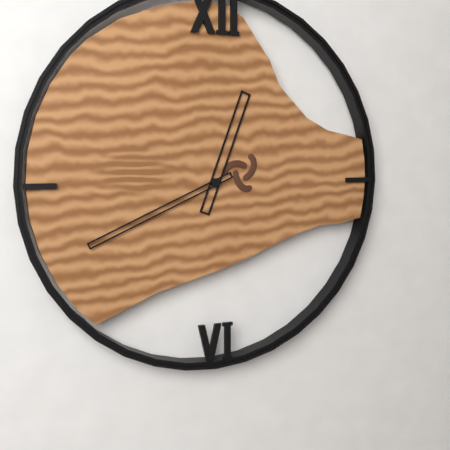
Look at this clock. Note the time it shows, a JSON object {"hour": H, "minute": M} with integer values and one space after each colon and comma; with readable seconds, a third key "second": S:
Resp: {"hour": 12, "minute": 41}
